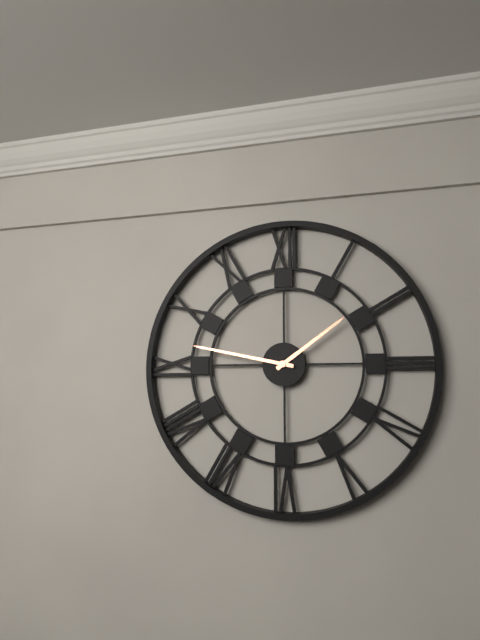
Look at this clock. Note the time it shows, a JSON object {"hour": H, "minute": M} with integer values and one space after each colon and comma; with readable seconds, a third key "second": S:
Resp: {"hour": 1, "minute": 47}
